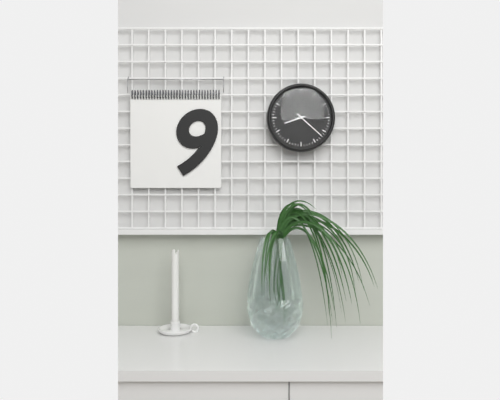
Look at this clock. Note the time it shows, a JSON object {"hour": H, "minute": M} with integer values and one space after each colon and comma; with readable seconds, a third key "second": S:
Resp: {"hour": 8, "minute": 22}
